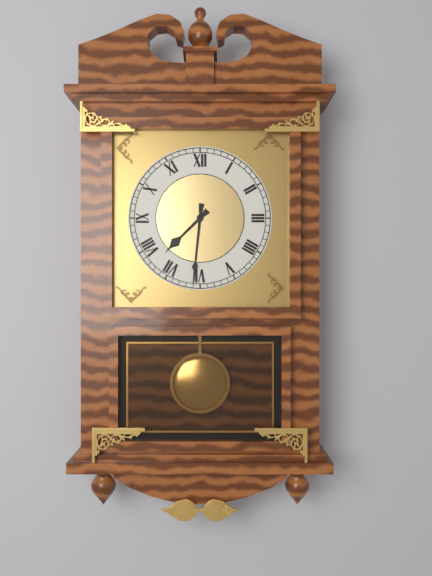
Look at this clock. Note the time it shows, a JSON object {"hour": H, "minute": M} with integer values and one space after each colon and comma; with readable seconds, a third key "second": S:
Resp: {"hour": 7, "minute": 31}
